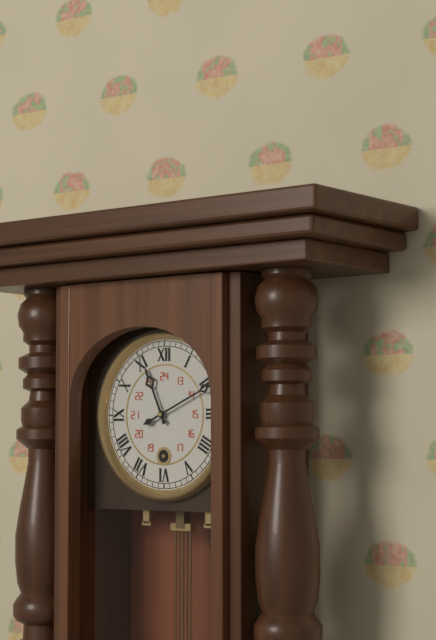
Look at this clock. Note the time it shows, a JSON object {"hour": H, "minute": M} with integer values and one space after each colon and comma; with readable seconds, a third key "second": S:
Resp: {"hour": 11, "minute": 11}
